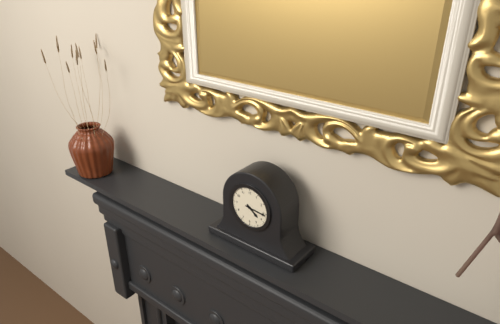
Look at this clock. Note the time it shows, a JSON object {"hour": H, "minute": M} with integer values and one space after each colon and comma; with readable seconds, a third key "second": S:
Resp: {"hour": 4, "minute": 16}
